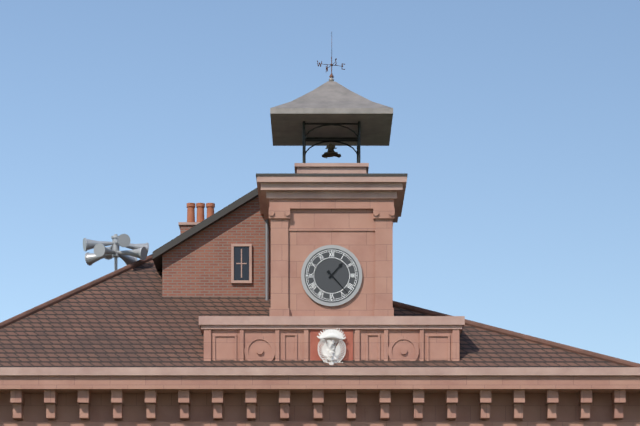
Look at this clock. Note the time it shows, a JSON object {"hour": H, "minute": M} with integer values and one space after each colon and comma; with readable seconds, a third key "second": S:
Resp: {"hour": 1, "minute": 23}
